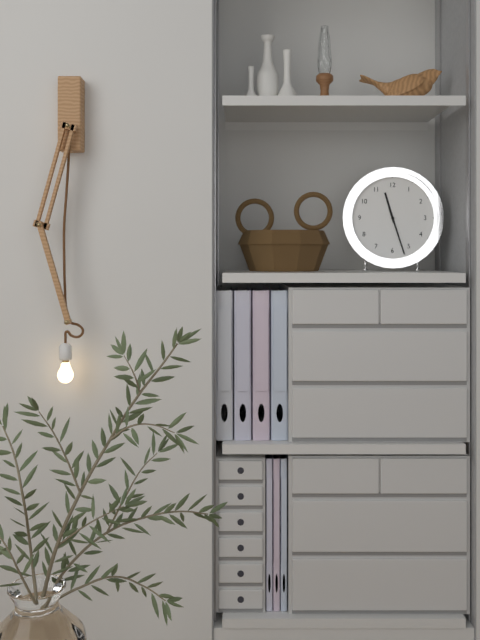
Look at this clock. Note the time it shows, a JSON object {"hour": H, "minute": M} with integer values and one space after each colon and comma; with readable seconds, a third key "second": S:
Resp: {"hour": 11, "minute": 27}
